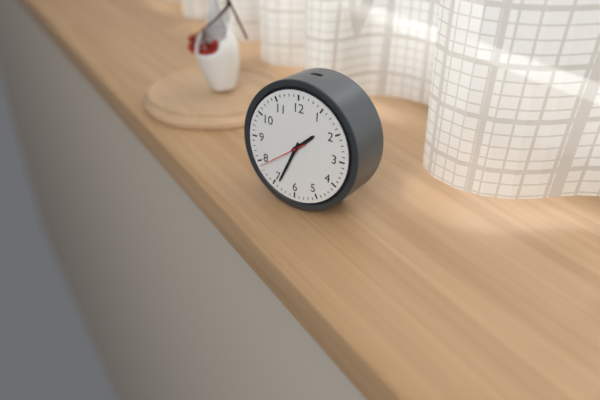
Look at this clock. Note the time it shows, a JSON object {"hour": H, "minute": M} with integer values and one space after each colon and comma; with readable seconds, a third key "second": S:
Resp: {"hour": 1, "minute": 34}
